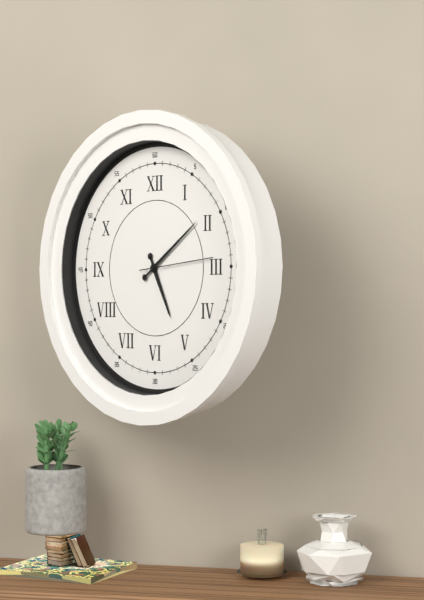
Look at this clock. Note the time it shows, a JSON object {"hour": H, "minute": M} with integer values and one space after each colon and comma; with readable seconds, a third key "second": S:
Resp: {"hour": 5, "minute": 9, "second": 14}
